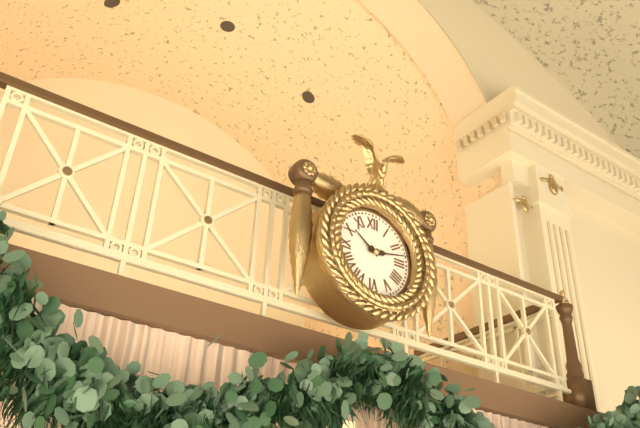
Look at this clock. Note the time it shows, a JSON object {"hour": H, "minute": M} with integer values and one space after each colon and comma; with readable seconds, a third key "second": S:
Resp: {"hour": 10, "minute": 13}
